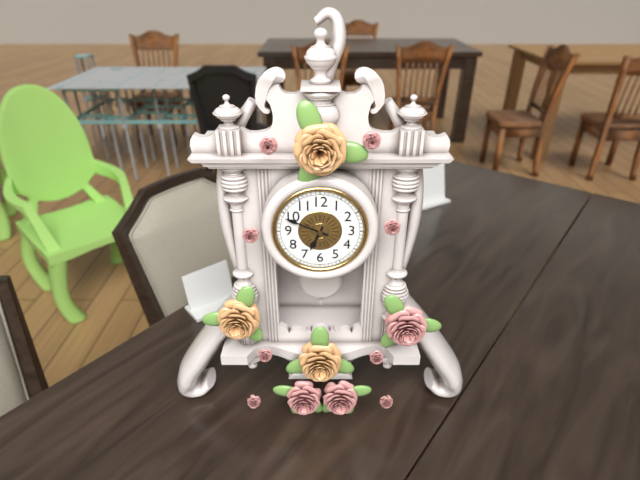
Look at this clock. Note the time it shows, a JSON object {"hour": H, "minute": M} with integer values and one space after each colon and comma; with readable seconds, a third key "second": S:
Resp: {"hour": 6, "minute": 49}
